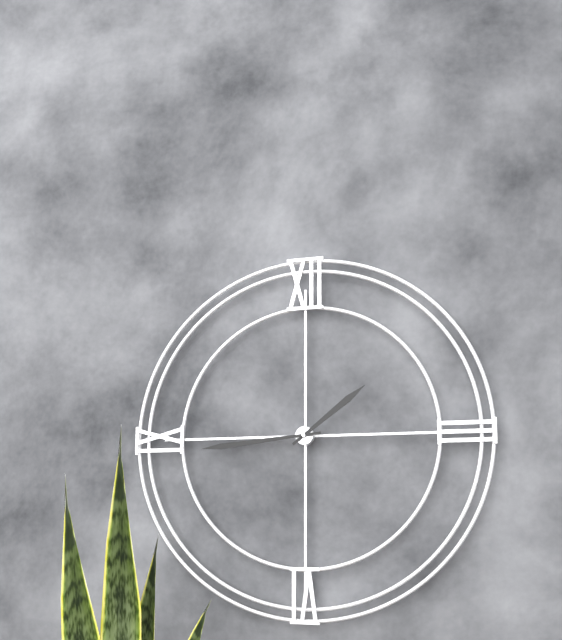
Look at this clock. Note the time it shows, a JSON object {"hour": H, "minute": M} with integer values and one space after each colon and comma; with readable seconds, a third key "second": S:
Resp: {"hour": 1, "minute": 44}
